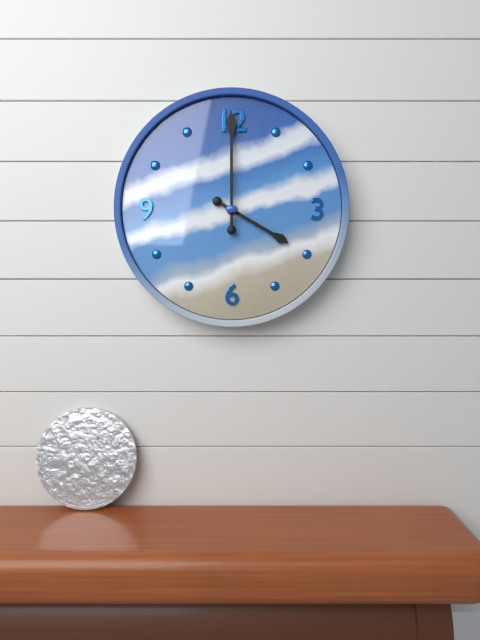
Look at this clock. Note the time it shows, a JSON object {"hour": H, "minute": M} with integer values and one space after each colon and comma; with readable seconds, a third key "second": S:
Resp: {"hour": 4, "minute": 0}
